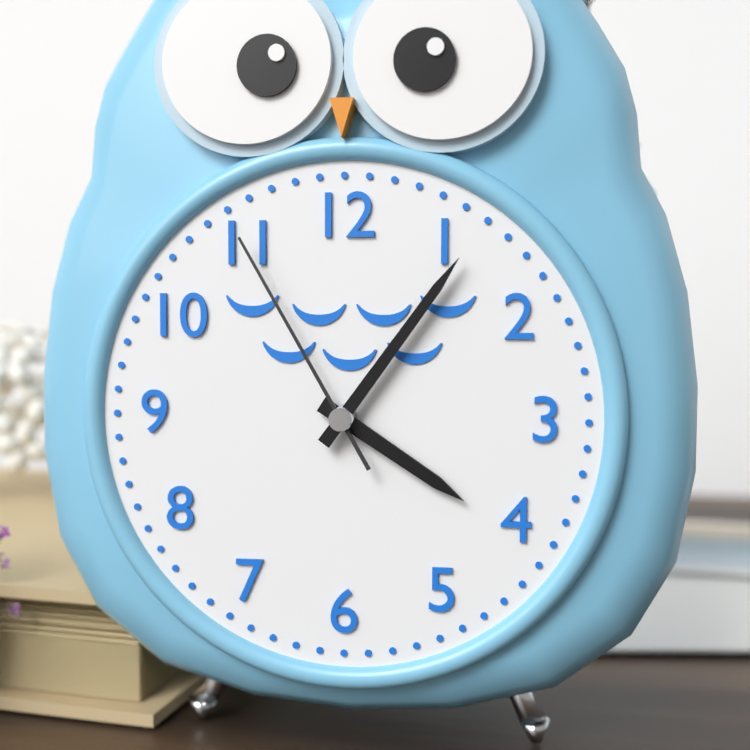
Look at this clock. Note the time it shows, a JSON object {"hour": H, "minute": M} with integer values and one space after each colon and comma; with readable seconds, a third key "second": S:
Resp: {"hour": 4, "minute": 6, "second": 55}
